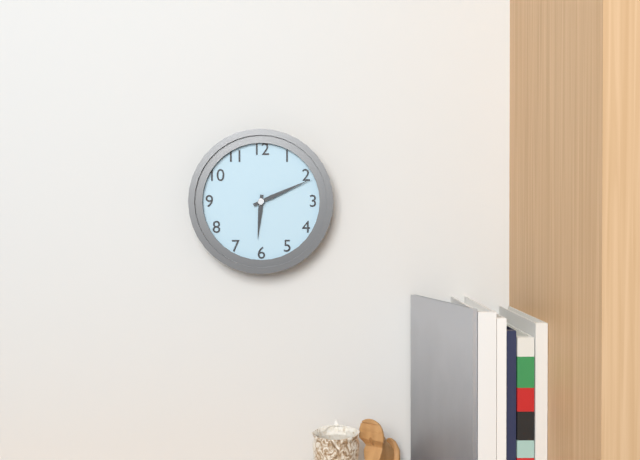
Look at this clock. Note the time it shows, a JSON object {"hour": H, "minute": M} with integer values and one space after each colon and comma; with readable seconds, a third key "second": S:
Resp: {"hour": 6, "minute": 11}
